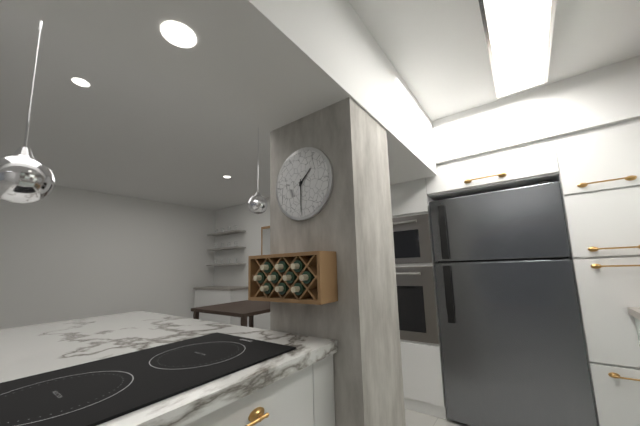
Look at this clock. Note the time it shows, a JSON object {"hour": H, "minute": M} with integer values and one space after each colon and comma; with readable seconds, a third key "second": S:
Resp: {"hour": 1, "minute": 30}
